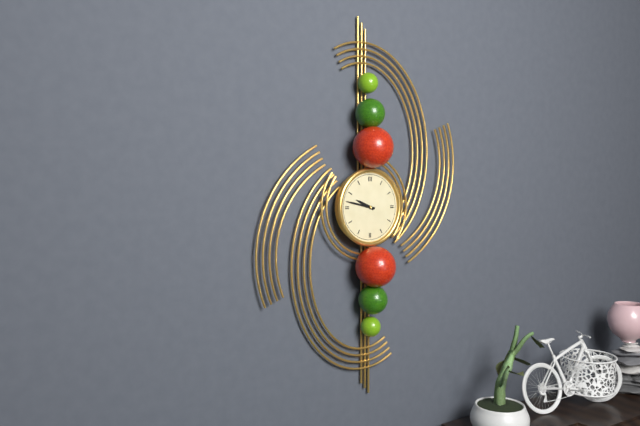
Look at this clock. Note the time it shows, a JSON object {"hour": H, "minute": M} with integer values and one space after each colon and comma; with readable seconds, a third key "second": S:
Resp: {"hour": 9, "minute": 47}
